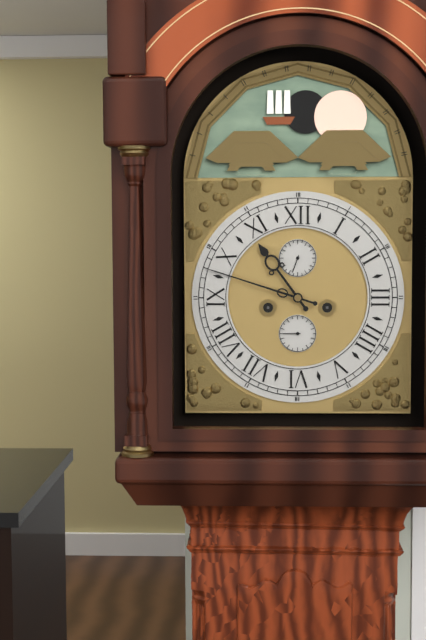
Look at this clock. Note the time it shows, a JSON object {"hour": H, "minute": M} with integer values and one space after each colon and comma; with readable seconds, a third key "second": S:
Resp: {"hour": 10, "minute": 48}
